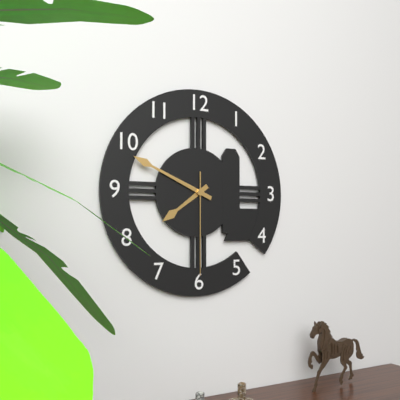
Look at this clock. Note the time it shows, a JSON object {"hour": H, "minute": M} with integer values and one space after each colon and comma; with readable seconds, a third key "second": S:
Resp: {"hour": 7, "minute": 49, "second": 30}
